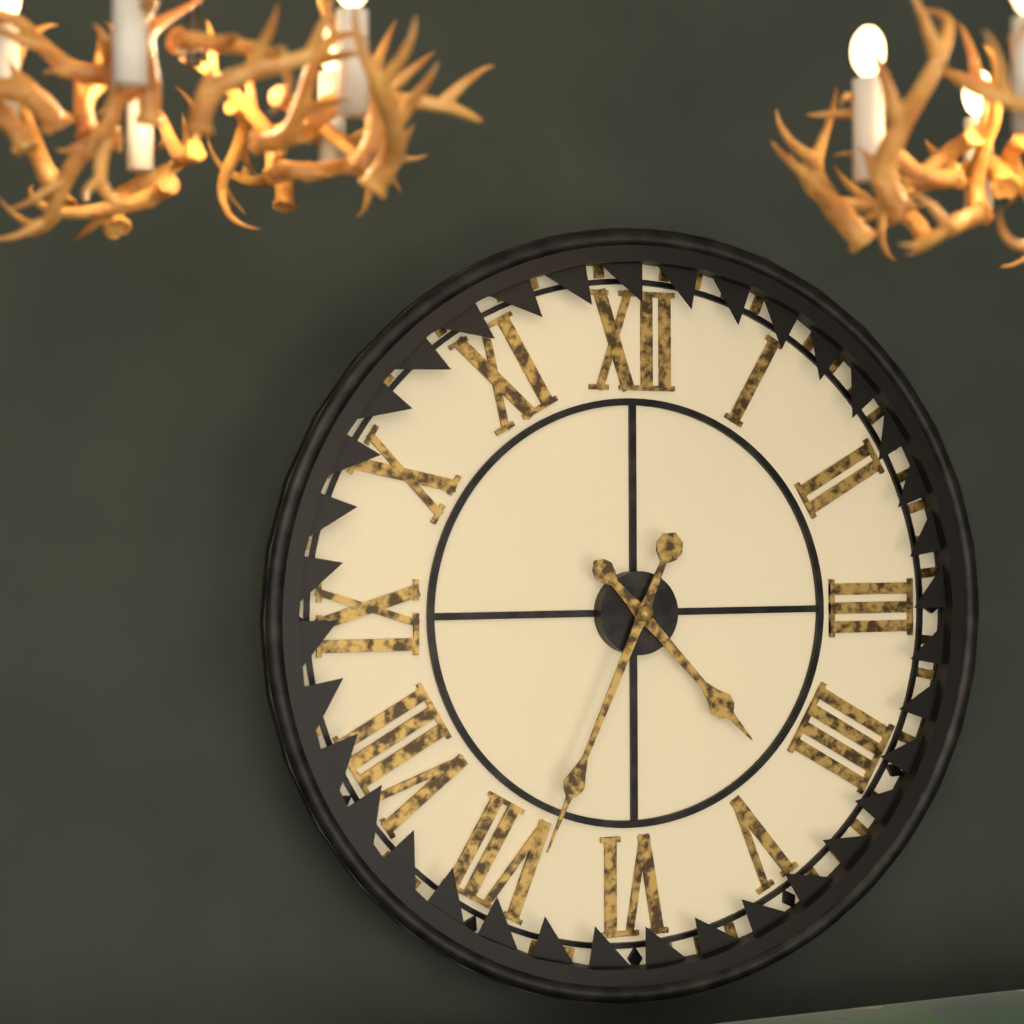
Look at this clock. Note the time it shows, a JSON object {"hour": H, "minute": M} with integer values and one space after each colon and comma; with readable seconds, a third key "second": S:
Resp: {"hour": 4, "minute": 34}
